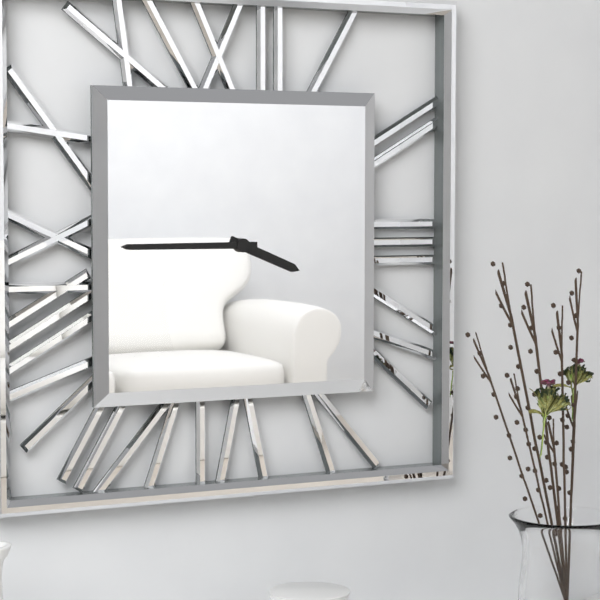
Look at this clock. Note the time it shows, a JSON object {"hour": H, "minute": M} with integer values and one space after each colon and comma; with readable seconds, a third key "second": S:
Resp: {"hour": 3, "minute": 45}
